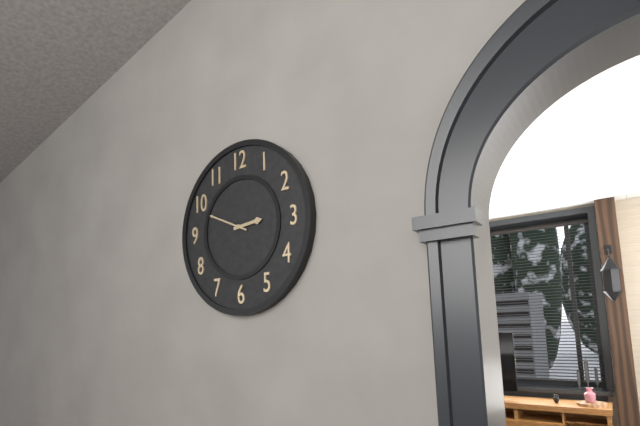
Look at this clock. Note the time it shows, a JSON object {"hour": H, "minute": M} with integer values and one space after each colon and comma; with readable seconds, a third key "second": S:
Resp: {"hour": 2, "minute": 49}
